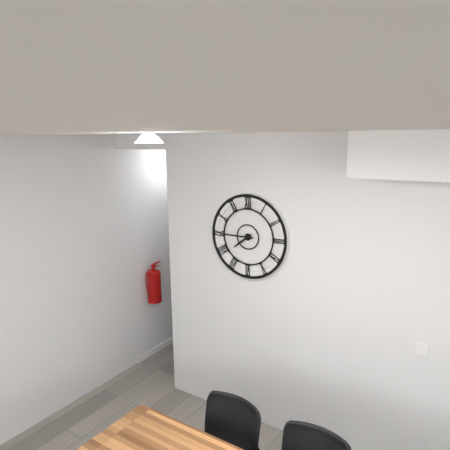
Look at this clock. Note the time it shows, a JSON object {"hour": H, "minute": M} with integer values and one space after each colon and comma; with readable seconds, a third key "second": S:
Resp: {"hour": 7, "minute": 45}
